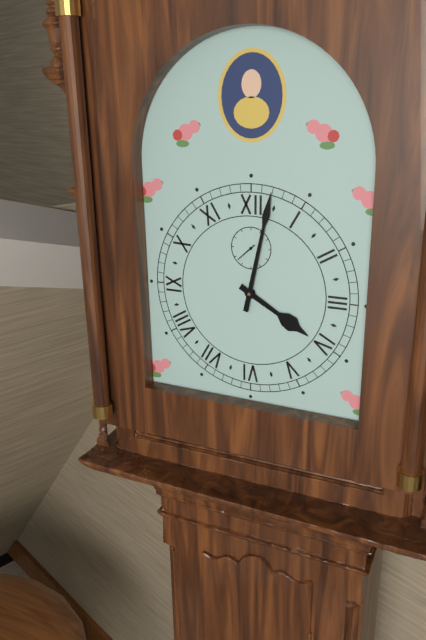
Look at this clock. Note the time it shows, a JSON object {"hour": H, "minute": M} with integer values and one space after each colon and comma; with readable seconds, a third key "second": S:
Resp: {"hour": 4, "minute": 2}
